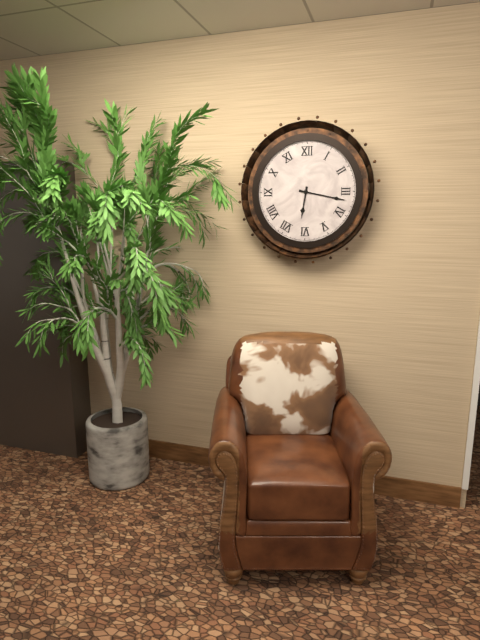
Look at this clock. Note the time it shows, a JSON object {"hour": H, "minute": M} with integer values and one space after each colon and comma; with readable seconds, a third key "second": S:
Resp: {"hour": 6, "minute": 17}
